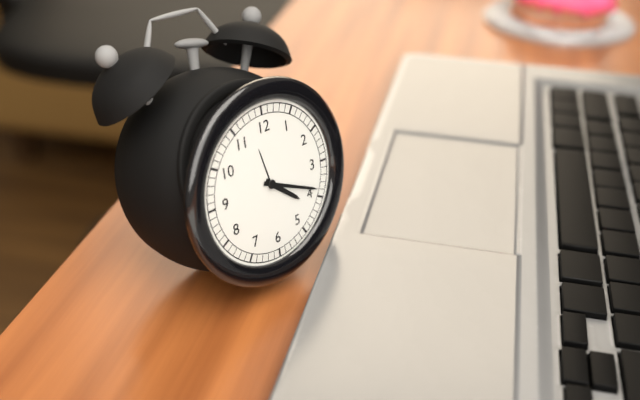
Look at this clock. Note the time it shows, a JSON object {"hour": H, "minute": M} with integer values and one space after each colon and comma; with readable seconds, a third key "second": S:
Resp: {"hour": 4, "minute": 19}
